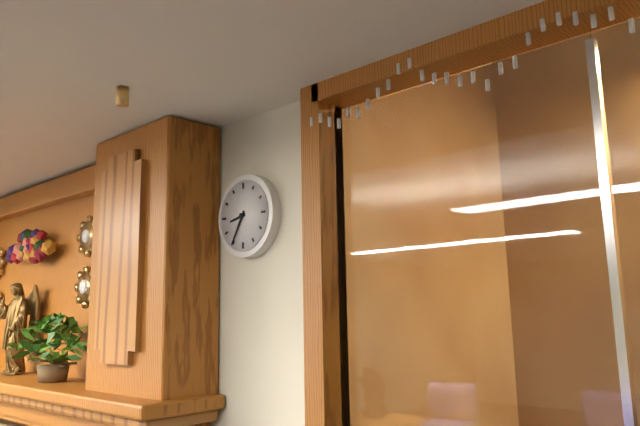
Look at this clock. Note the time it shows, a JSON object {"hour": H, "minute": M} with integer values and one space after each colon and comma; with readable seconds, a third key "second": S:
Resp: {"hour": 8, "minute": 35}
